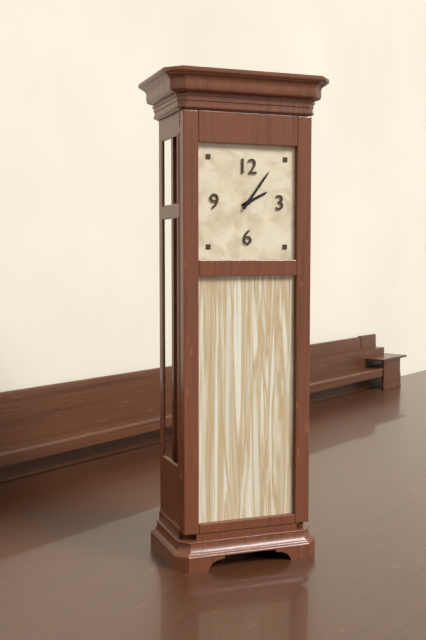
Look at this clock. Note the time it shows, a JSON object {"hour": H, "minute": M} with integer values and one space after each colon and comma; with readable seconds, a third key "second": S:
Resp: {"hour": 2, "minute": 6}
